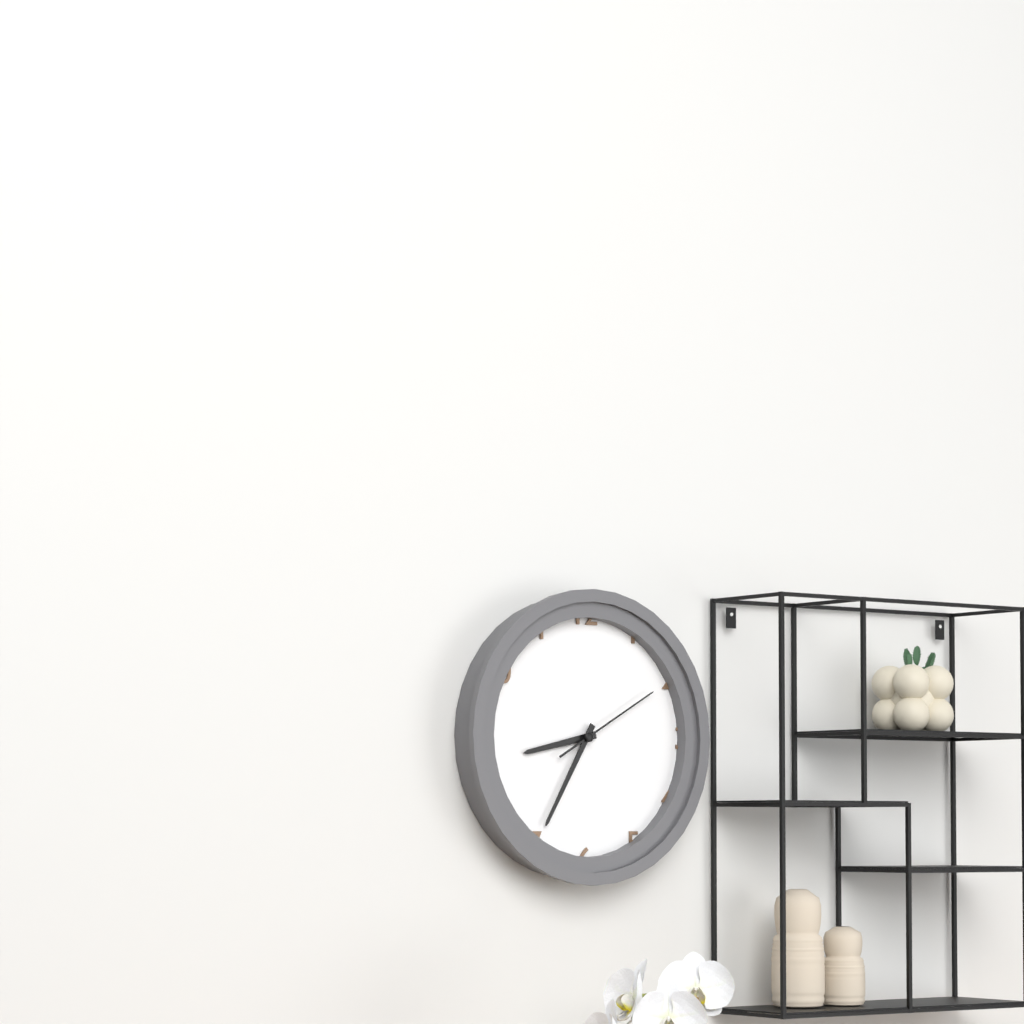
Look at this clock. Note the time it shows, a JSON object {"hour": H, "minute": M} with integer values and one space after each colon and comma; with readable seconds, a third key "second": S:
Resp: {"hour": 8, "minute": 35, "second": 10}
